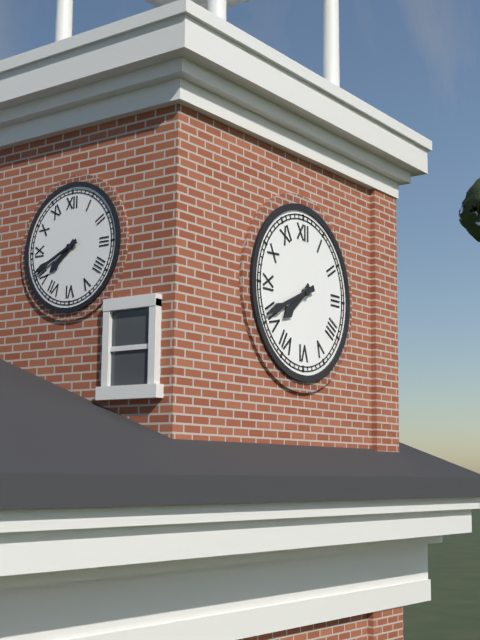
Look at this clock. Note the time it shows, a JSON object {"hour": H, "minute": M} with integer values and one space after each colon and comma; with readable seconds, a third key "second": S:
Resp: {"hour": 7, "minute": 41}
